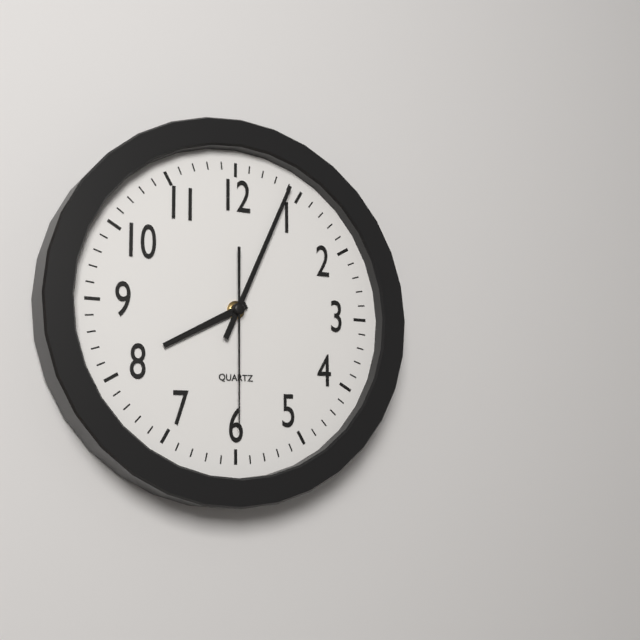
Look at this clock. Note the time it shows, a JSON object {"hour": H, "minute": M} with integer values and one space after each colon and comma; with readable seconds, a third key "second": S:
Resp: {"hour": 8, "minute": 4, "second": 30}
